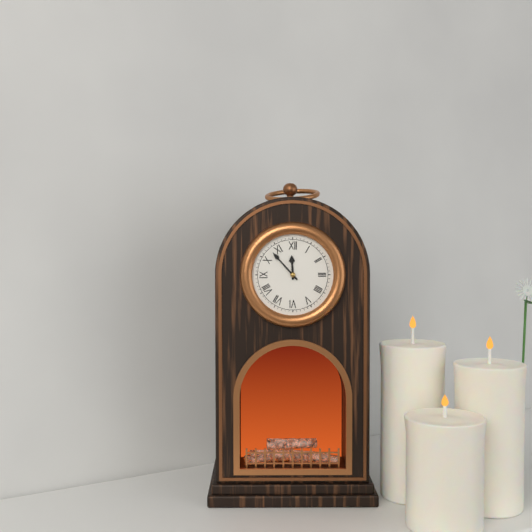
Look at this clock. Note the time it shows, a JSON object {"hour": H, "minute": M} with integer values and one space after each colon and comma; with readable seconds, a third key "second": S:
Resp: {"hour": 11, "minute": 53}
